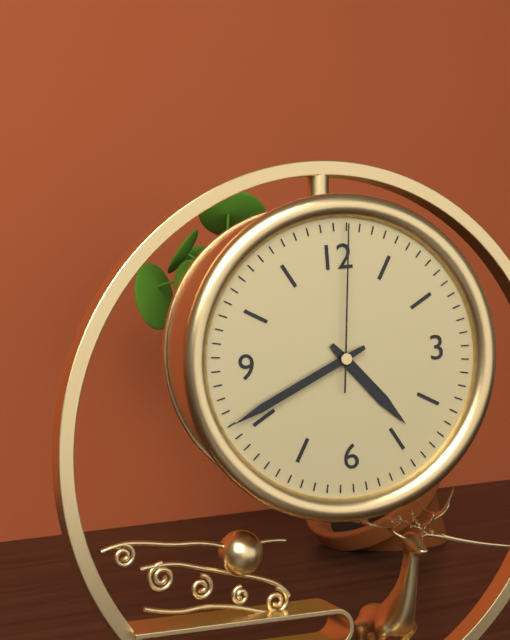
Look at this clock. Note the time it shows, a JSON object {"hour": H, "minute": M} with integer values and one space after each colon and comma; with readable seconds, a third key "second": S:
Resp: {"hour": 4, "minute": 41, "second": 1}
